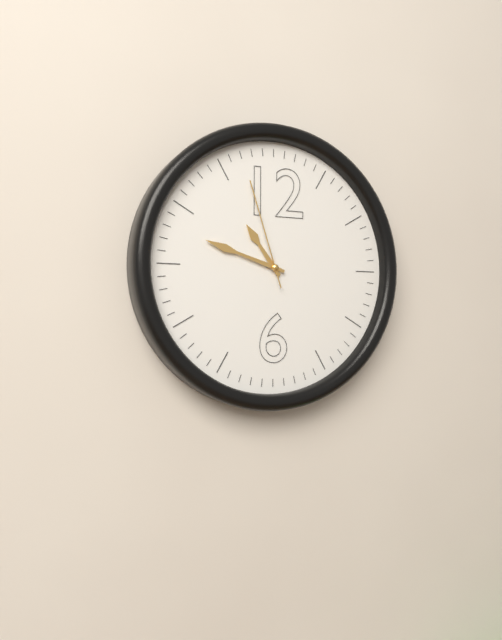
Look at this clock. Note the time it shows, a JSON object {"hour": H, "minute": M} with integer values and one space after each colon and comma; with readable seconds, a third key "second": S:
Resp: {"hour": 10, "minute": 48, "second": 57}
